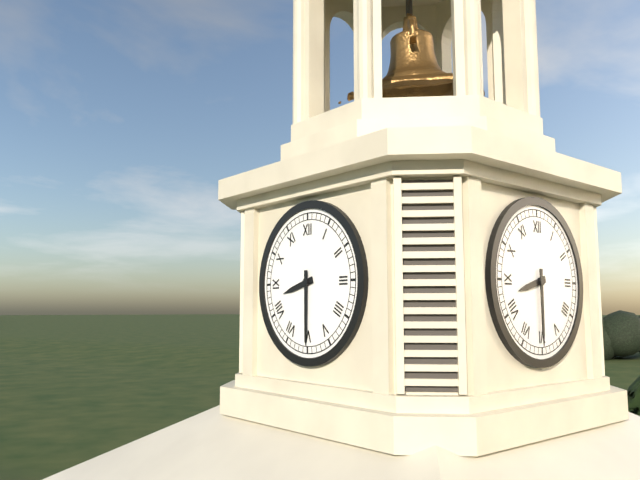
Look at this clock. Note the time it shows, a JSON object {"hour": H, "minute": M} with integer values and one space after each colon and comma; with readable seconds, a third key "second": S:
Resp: {"hour": 8, "minute": 30}
